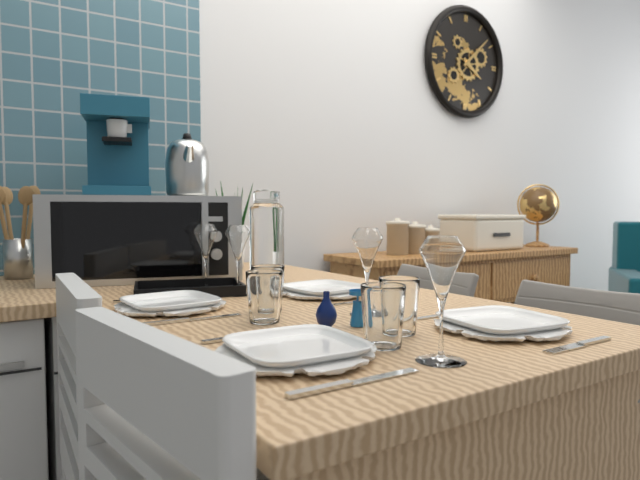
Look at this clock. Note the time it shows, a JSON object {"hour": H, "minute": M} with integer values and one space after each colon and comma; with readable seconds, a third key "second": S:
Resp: {"hour": 4, "minute": 8}
